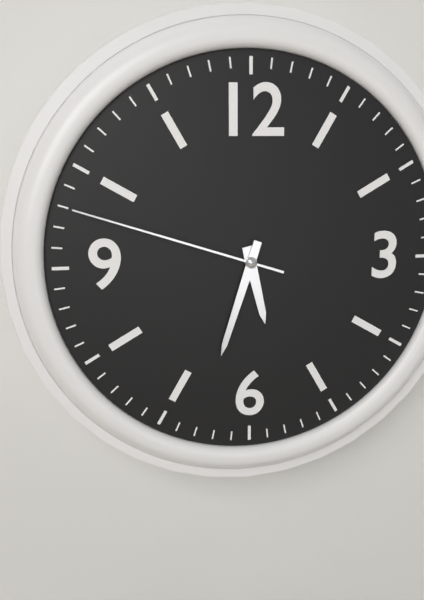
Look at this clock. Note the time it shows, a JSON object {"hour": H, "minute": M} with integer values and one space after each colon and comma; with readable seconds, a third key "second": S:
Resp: {"hour": 5, "minute": 33, "second": 48}
